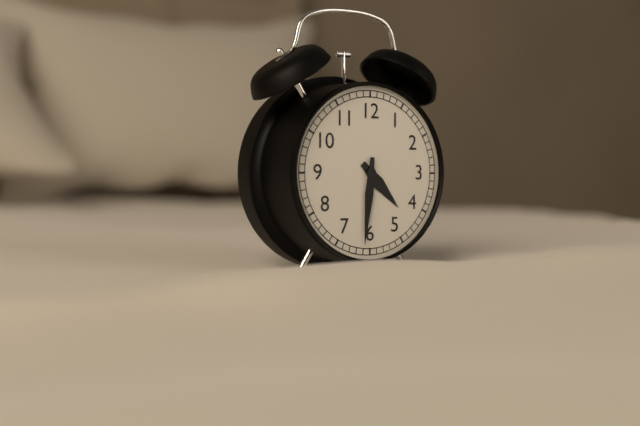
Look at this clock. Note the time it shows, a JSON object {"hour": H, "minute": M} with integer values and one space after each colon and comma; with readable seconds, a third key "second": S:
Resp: {"hour": 4, "minute": 31}
